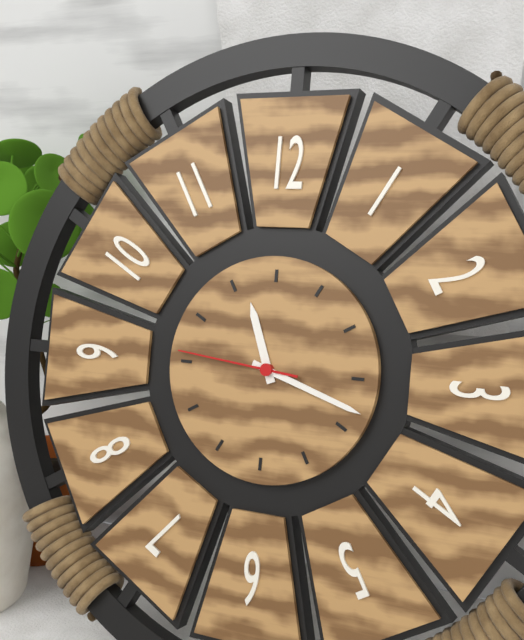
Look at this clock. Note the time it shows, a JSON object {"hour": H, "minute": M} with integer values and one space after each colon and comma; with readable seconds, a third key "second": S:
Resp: {"hour": 11, "minute": 18, "second": 46}
